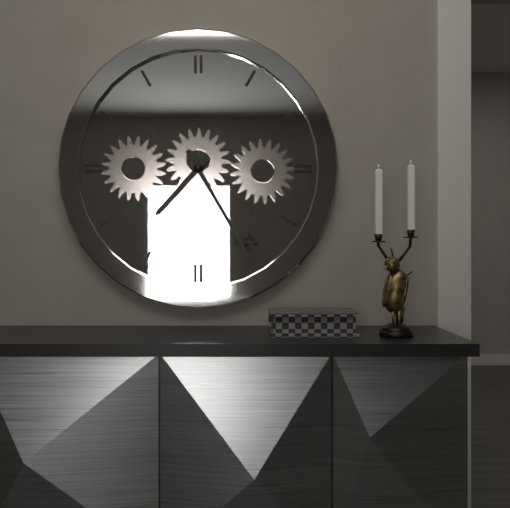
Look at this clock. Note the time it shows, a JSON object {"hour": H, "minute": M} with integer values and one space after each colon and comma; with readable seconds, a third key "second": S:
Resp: {"hour": 7, "minute": 25}
